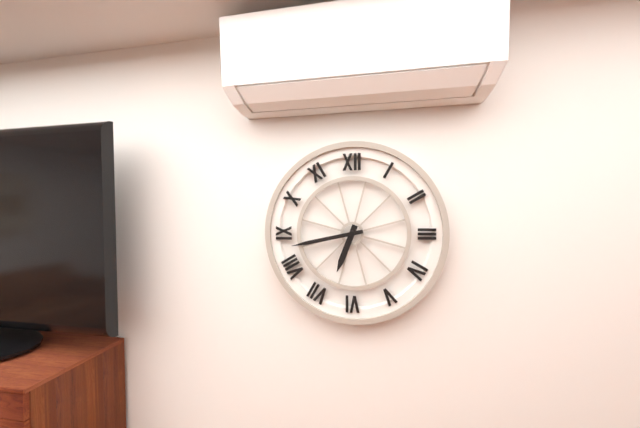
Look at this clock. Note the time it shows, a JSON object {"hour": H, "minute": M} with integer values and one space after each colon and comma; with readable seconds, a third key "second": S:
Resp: {"hour": 6, "minute": 43}
